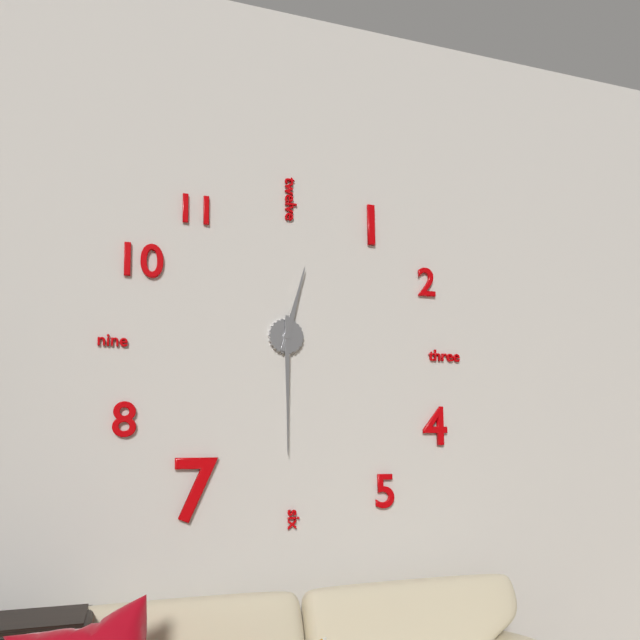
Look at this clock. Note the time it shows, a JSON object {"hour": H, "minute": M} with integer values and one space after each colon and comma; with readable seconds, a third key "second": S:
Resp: {"hour": 12, "minute": 30}
